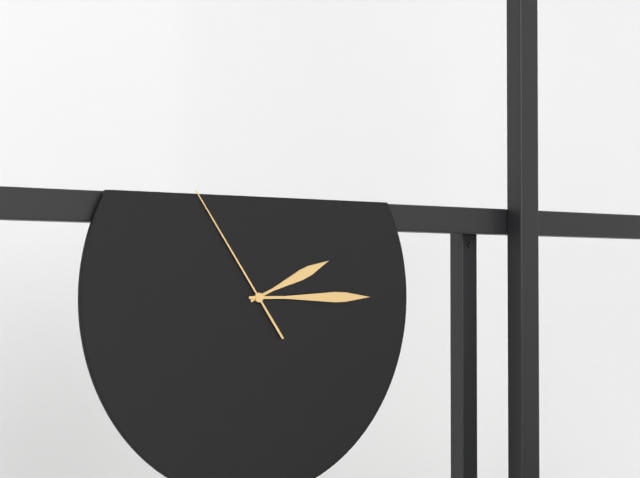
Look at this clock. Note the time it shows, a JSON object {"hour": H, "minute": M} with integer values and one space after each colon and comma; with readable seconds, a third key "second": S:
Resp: {"hour": 2, "minute": 15, "second": 54}
